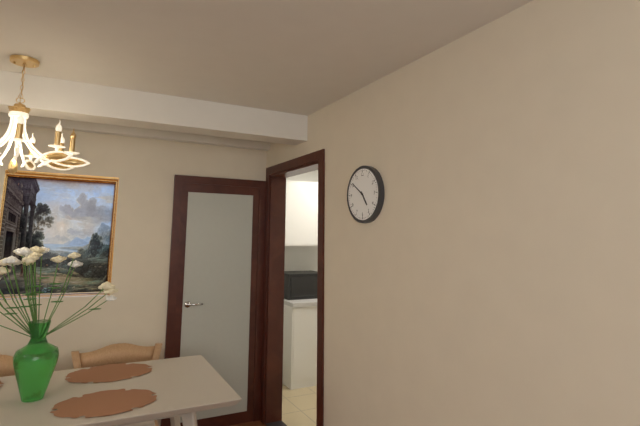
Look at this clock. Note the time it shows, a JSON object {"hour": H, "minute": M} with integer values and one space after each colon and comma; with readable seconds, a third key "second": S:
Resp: {"hour": 4, "minute": 51}
